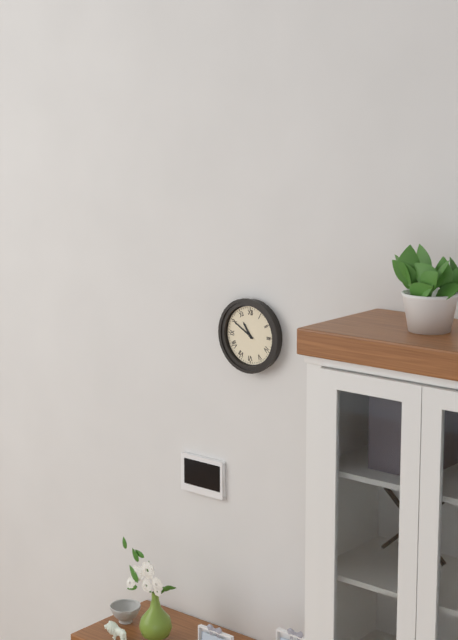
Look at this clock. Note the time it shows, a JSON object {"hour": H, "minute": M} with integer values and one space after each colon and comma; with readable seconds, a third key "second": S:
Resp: {"hour": 10, "minute": 50}
